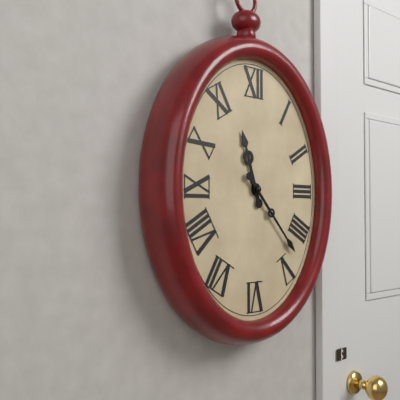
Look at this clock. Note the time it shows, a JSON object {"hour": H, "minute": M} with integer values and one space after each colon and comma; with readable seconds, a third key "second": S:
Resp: {"hour": 11, "minute": 23}
